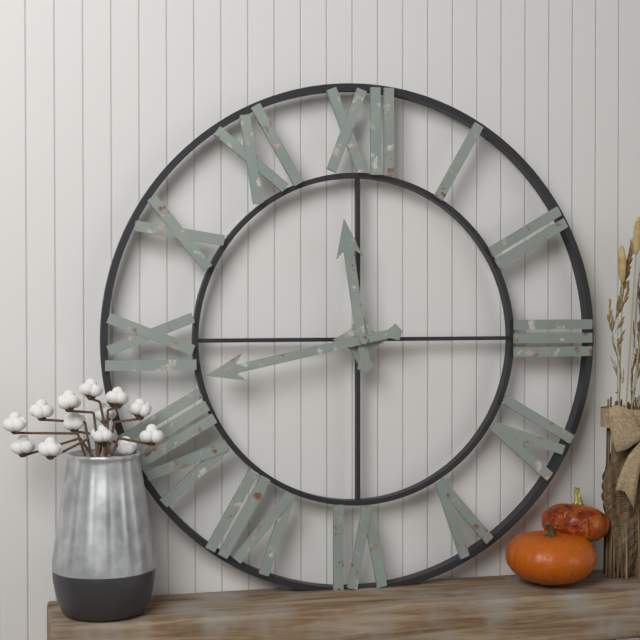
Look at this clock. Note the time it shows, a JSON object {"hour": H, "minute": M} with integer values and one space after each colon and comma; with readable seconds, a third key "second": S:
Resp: {"hour": 11, "minute": 43}
